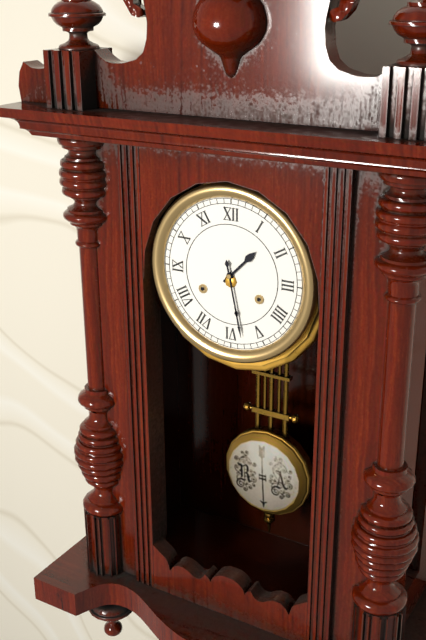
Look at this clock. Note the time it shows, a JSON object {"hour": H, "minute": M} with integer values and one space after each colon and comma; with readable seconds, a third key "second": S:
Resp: {"hour": 1, "minute": 28}
